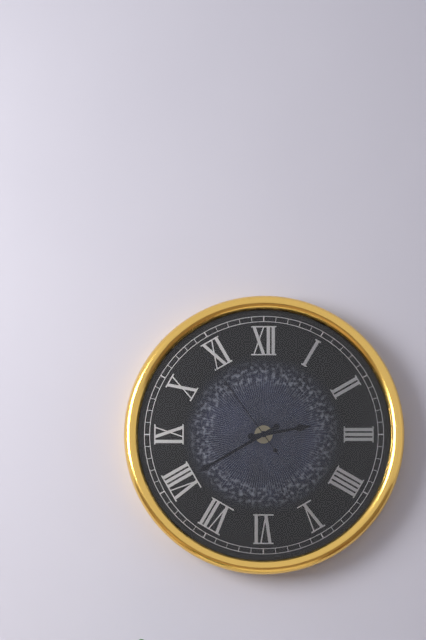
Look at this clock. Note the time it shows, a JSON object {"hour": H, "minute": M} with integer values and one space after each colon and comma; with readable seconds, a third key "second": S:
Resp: {"hour": 2, "minute": 40, "second": 54}
